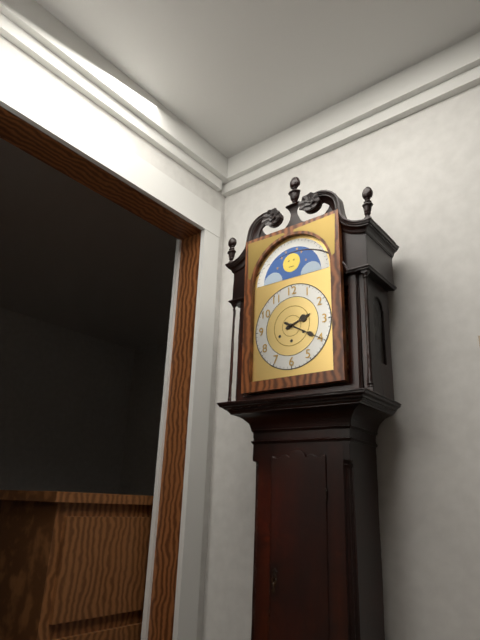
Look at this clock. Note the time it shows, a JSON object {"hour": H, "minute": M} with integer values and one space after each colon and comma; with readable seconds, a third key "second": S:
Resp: {"hour": 2, "minute": 20}
